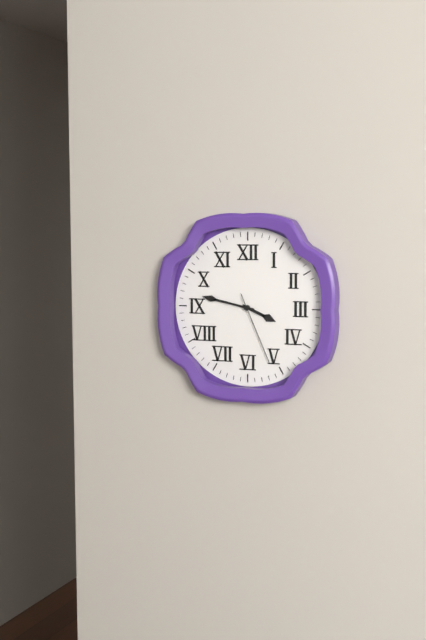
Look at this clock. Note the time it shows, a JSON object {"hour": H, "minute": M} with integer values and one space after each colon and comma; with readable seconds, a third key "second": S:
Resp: {"hour": 3, "minute": 47, "second": 26}
